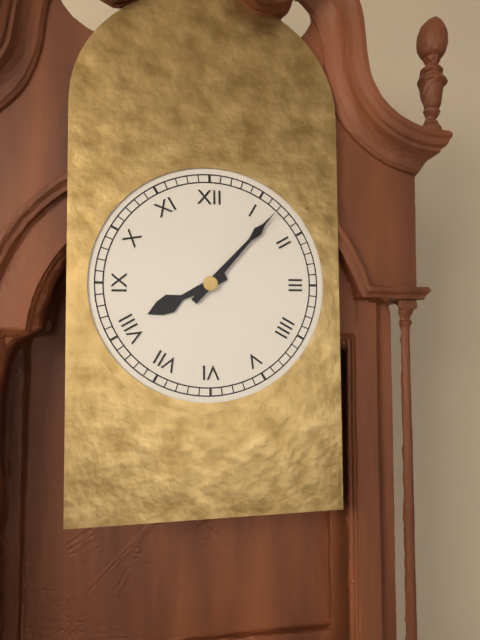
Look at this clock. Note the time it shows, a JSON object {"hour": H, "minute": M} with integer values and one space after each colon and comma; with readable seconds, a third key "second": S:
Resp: {"hour": 8, "minute": 7}
